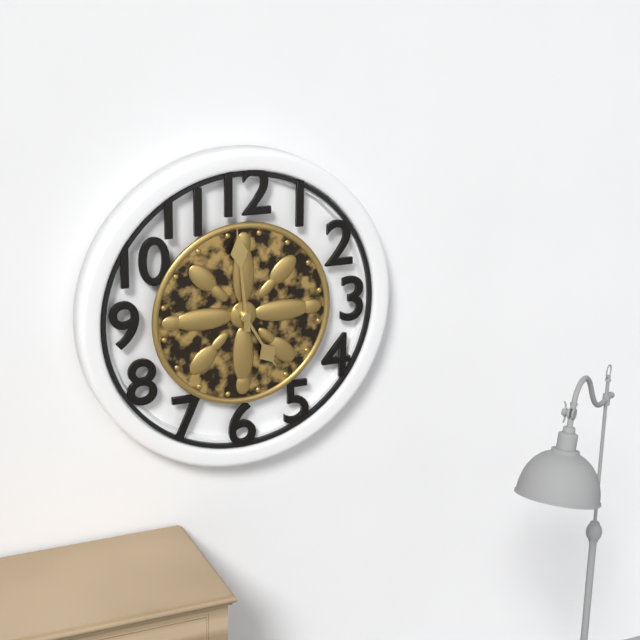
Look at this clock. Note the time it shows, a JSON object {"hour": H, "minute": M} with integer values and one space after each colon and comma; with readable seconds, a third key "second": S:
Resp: {"hour": 4, "minute": 59}
